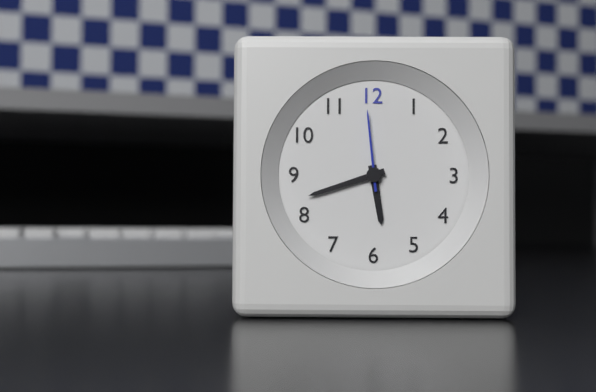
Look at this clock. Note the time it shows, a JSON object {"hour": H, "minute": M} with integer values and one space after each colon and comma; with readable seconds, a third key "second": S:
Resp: {"hour": 5, "minute": 42, "second": 59}
